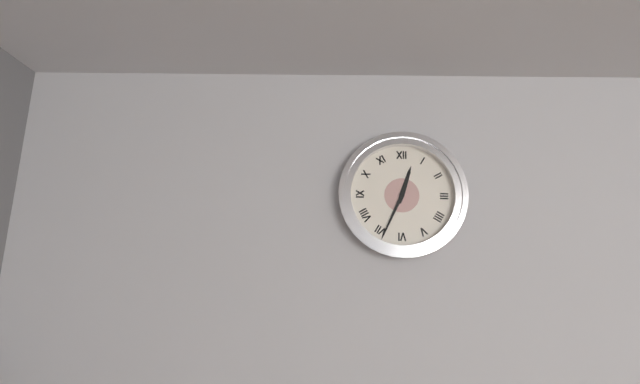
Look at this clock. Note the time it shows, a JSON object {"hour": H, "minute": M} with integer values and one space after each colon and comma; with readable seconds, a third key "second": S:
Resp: {"hour": 12, "minute": 34}
